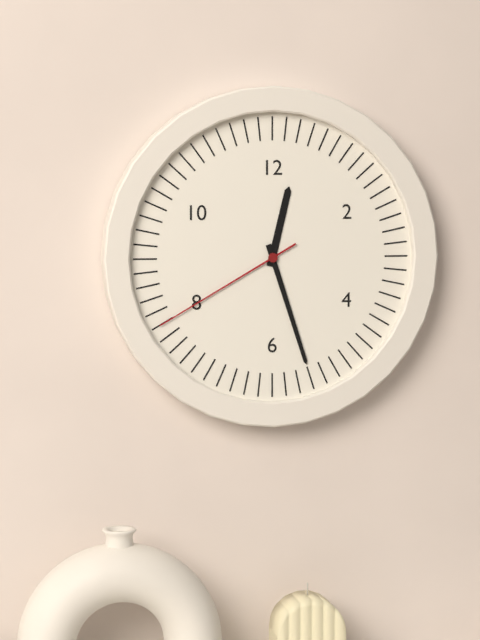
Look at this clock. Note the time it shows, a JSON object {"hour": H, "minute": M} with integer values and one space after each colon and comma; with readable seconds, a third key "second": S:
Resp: {"hour": 12, "minute": 27, "second": 40}
